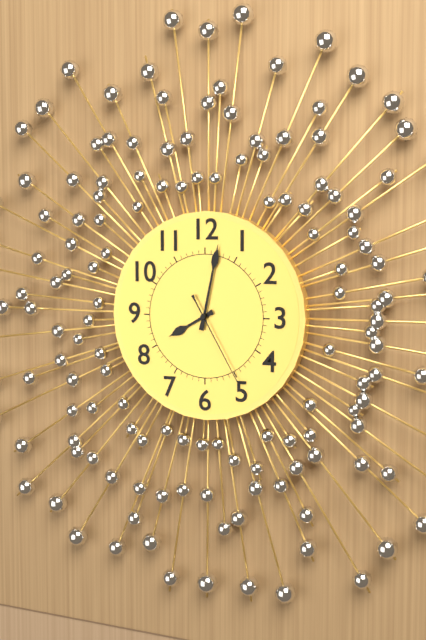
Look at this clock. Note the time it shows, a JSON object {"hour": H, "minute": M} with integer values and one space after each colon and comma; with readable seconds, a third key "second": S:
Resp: {"hour": 8, "minute": 2, "second": 25}
